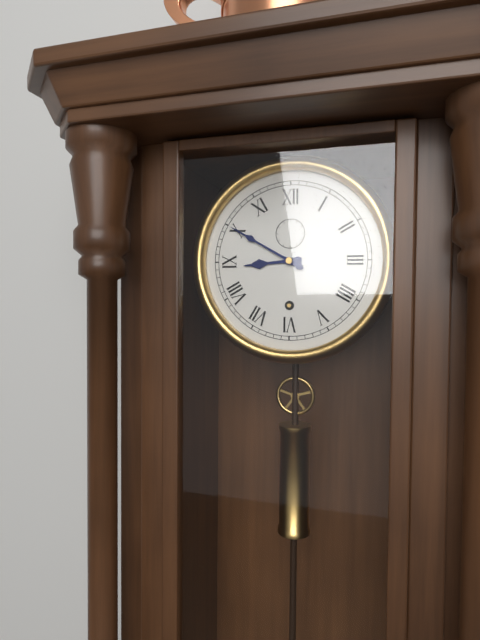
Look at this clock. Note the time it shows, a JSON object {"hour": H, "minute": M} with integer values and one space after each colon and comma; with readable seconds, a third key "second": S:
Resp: {"hour": 8, "minute": 50}
